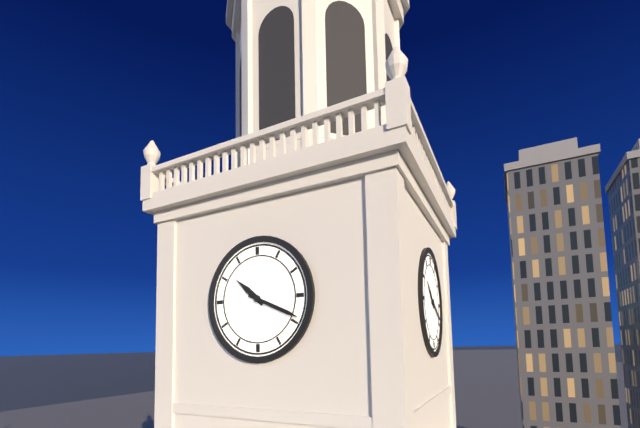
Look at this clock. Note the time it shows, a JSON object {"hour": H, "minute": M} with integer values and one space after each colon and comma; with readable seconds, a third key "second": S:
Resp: {"hour": 10, "minute": 19}
